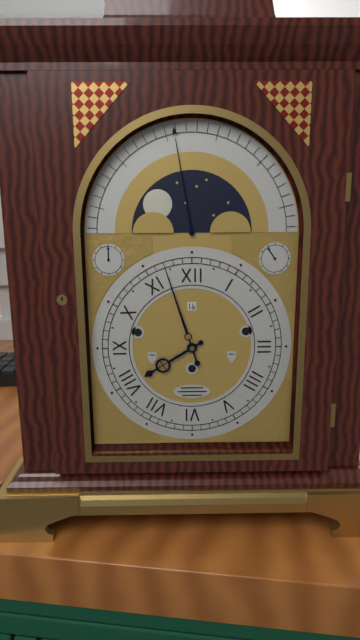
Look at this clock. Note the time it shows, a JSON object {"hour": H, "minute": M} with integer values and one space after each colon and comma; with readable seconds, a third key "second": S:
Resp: {"hour": 7, "minute": 57}
